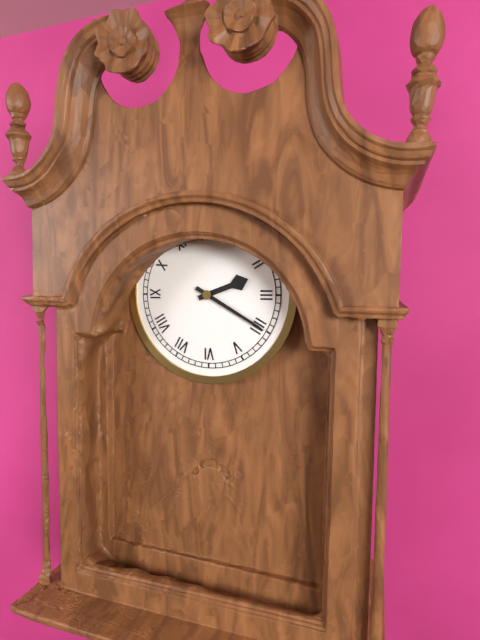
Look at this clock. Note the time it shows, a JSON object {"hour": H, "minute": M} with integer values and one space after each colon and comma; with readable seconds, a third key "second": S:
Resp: {"hour": 2, "minute": 20}
